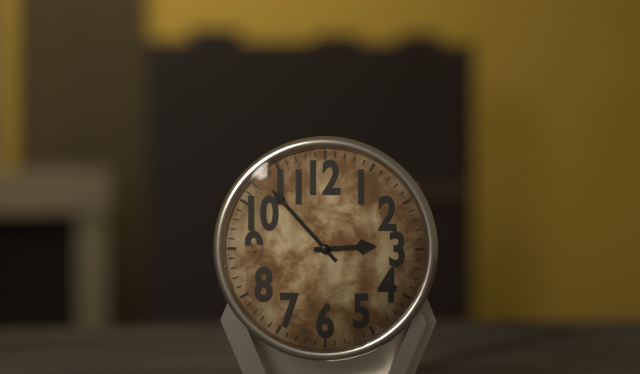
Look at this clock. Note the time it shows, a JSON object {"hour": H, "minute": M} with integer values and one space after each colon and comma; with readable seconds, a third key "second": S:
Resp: {"hour": 2, "minute": 53}
